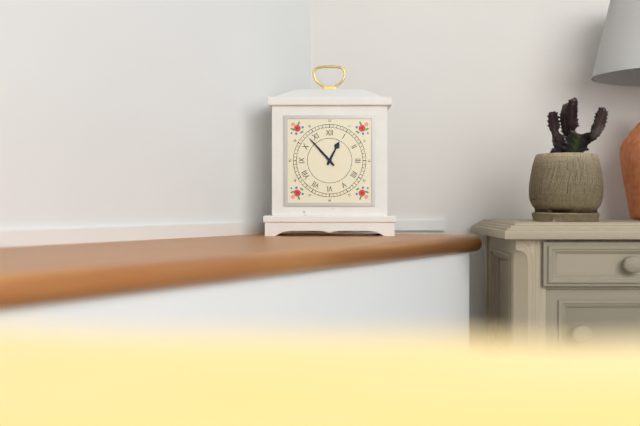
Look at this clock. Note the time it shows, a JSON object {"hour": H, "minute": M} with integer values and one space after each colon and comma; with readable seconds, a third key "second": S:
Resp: {"hour": 12, "minute": 53}
